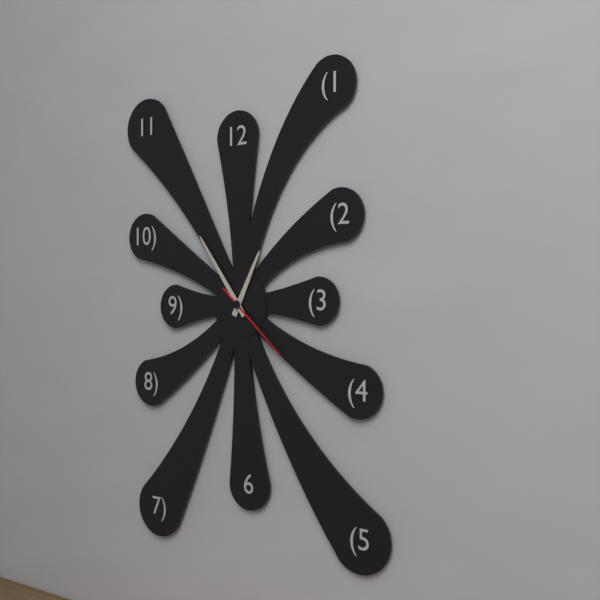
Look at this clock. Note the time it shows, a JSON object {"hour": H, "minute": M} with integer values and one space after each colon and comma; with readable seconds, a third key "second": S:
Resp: {"hour": 12, "minute": 54, "second": 22}
